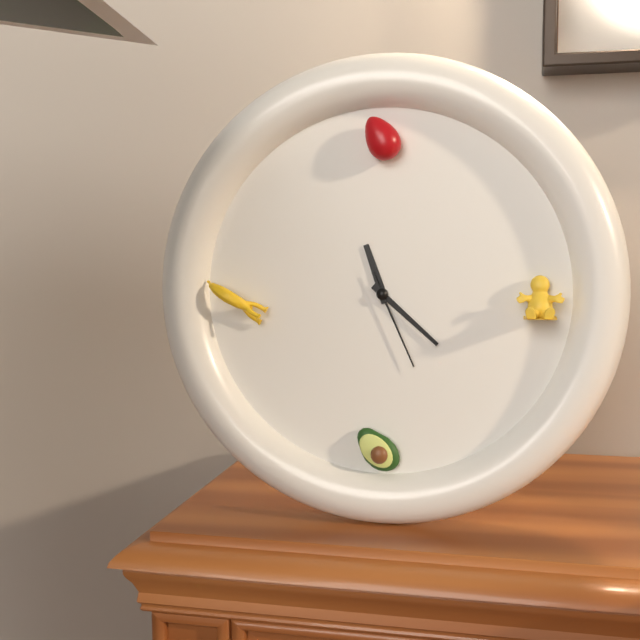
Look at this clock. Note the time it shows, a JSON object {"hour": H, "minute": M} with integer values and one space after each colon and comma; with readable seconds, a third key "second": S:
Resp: {"hour": 11, "minute": 22, "second": 26}
